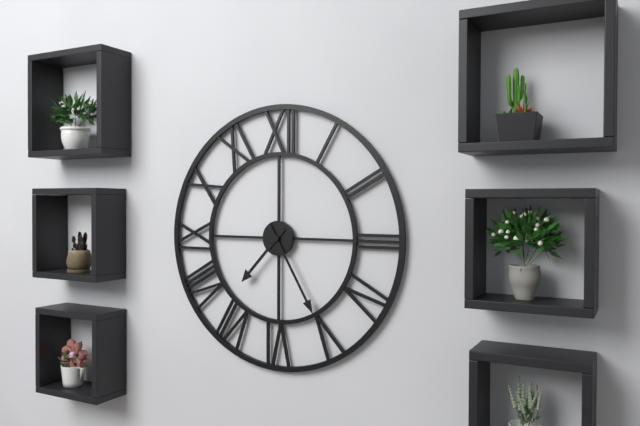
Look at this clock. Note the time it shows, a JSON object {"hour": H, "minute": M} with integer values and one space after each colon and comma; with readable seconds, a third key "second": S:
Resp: {"hour": 7, "minute": 25}
